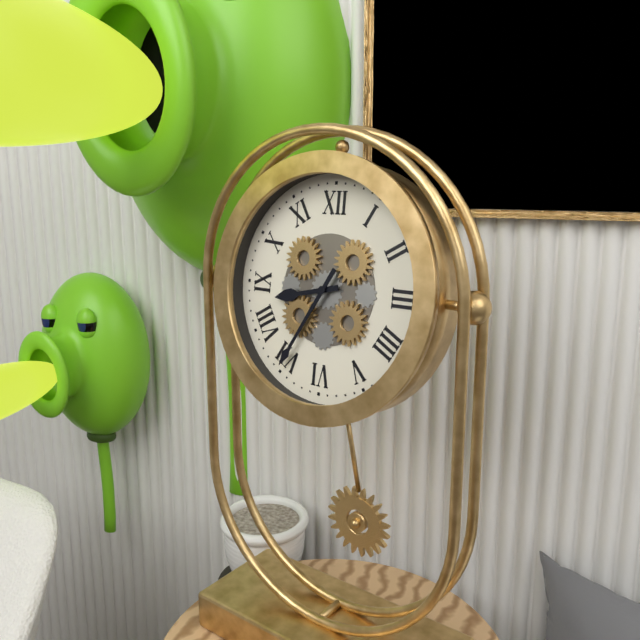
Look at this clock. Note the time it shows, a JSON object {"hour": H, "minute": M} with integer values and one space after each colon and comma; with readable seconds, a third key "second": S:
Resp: {"hour": 8, "minute": 35}
